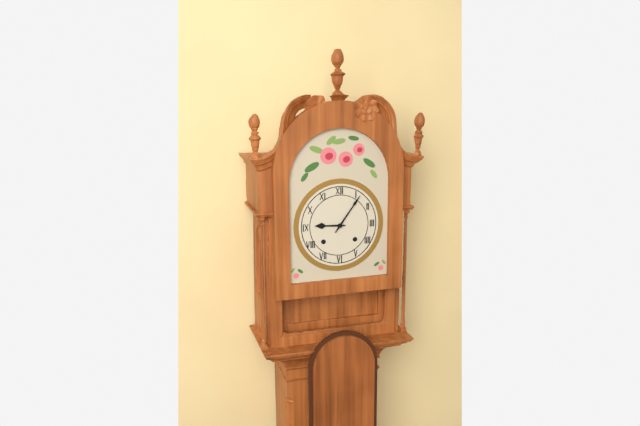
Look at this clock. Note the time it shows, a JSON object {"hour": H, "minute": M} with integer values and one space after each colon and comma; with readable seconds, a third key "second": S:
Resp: {"hour": 9, "minute": 6}
